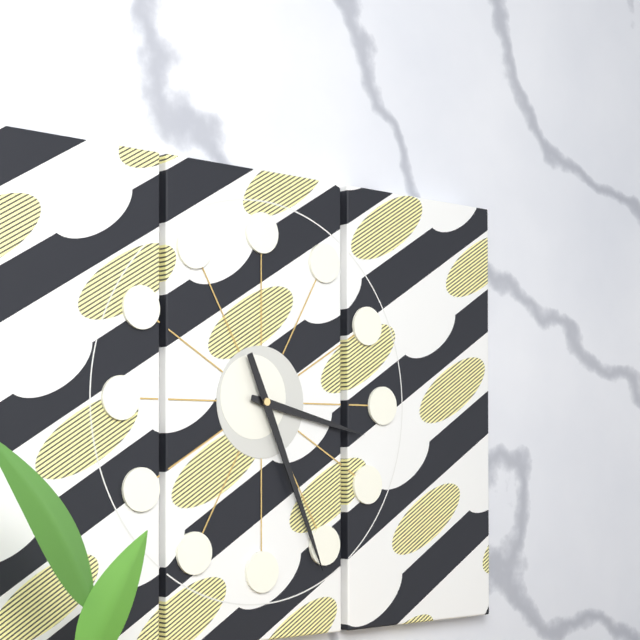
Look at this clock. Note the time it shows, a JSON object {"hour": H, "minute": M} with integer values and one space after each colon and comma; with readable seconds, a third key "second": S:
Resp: {"hour": 3, "minute": 26}
